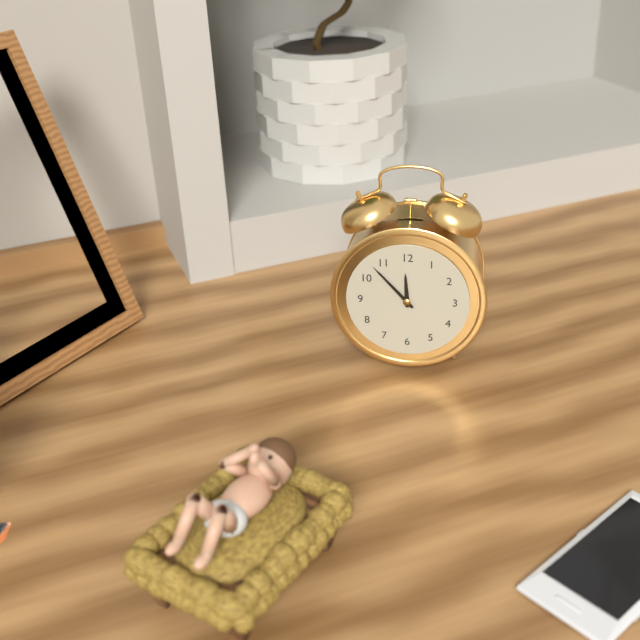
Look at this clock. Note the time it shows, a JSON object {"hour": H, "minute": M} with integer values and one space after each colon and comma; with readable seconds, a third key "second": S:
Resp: {"hour": 11, "minute": 53}
